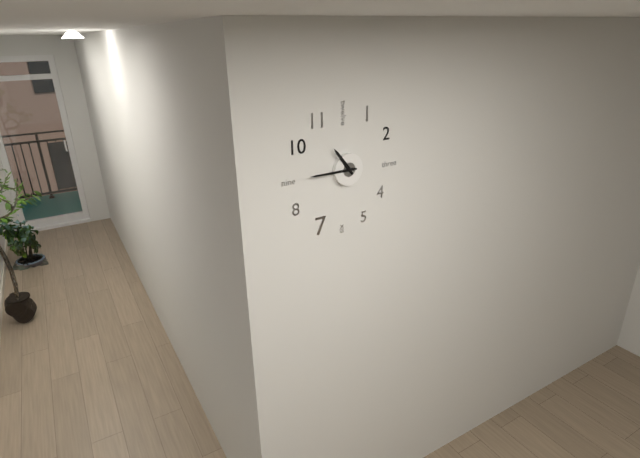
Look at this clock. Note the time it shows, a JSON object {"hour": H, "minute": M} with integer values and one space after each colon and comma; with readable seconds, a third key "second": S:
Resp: {"hour": 10, "minute": 45}
